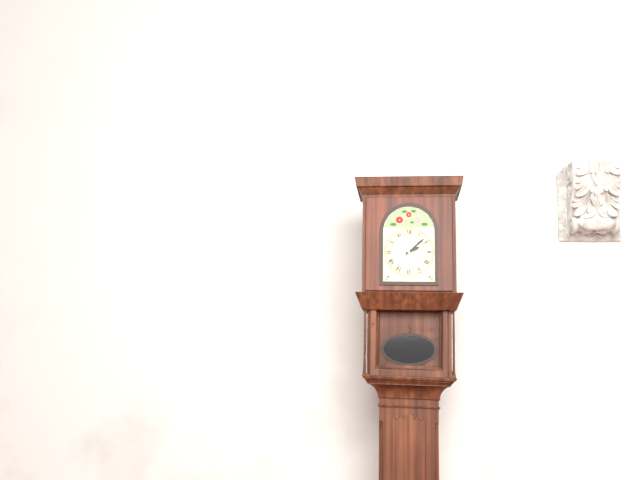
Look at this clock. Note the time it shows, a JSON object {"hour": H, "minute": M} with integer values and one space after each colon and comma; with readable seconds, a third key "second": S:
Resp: {"hour": 2, "minute": 8}
